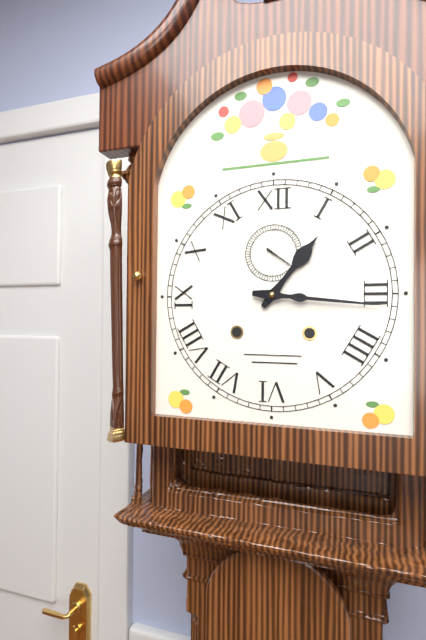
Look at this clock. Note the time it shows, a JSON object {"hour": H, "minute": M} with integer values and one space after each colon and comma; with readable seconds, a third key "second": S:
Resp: {"hour": 1, "minute": 16}
